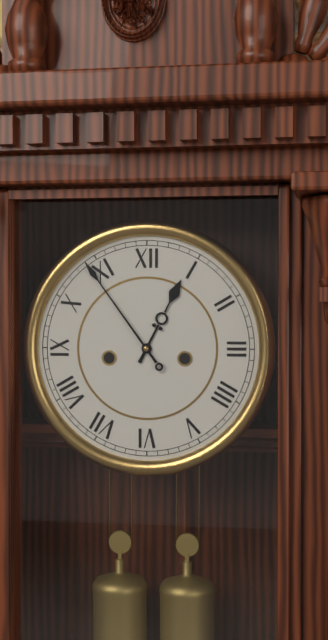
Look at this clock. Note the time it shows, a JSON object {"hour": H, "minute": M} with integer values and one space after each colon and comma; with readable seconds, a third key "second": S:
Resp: {"hour": 12, "minute": 54}
